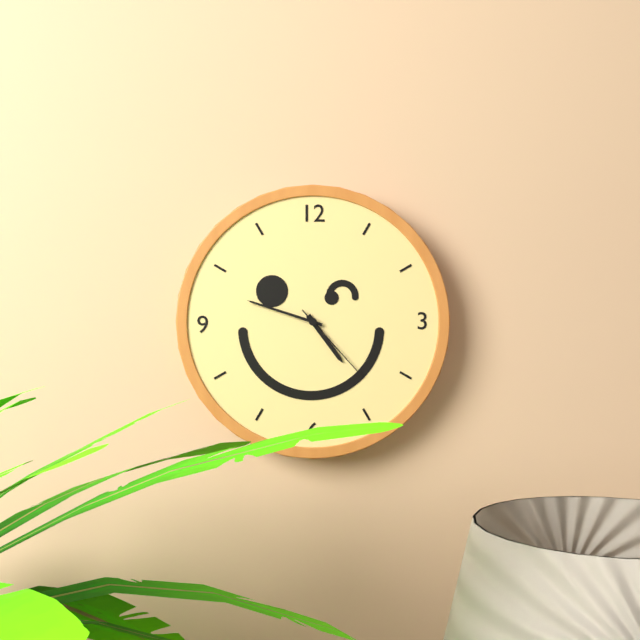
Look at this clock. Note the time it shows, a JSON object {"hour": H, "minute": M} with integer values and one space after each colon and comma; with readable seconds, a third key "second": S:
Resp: {"hour": 4, "minute": 48, "second": 23}
